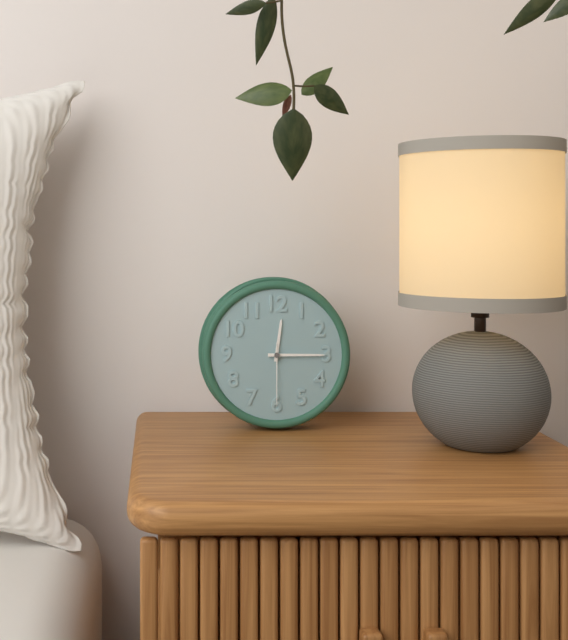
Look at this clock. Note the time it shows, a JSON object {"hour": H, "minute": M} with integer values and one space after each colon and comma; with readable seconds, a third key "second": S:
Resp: {"hour": 12, "minute": 15, "second": 30}
